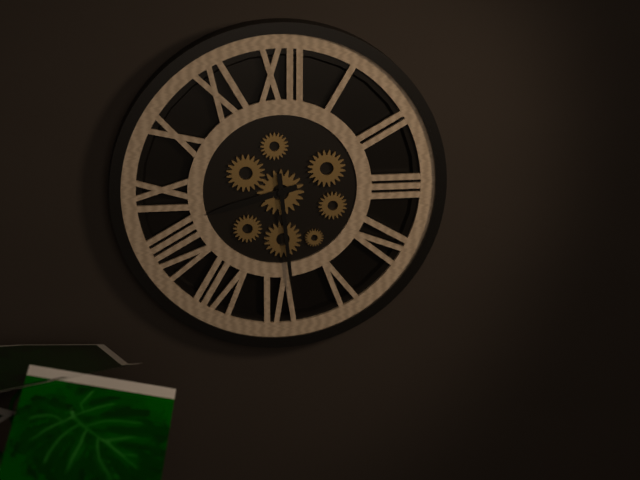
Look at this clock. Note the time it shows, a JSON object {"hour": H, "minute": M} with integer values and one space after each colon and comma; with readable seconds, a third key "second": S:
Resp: {"hour": 8, "minute": 29}
